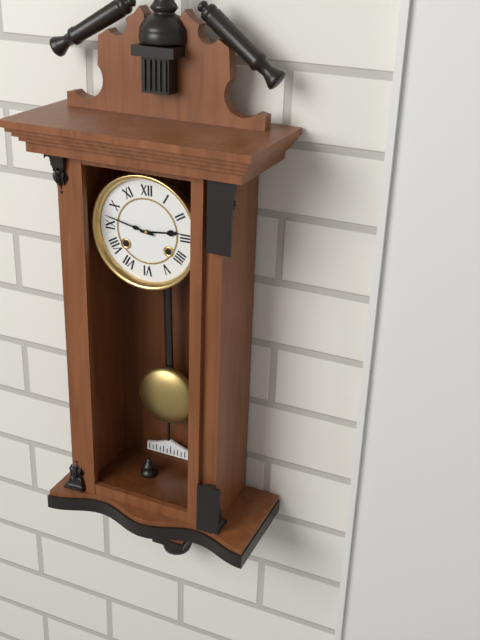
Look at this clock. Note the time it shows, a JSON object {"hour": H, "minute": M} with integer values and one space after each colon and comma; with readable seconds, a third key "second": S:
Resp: {"hour": 2, "minute": 47}
